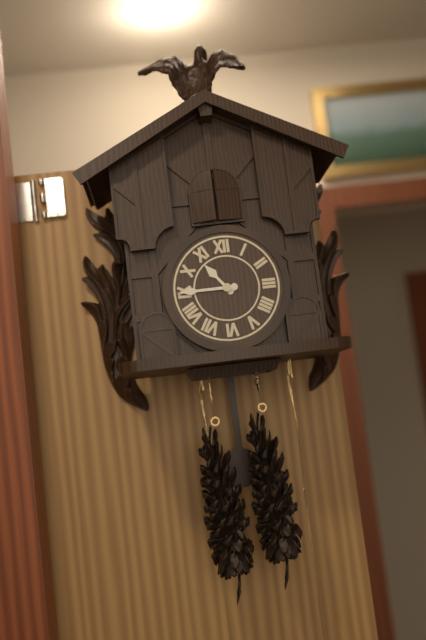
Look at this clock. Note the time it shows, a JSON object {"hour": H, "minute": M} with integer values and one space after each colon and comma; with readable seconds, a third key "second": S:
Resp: {"hour": 10, "minute": 45}
